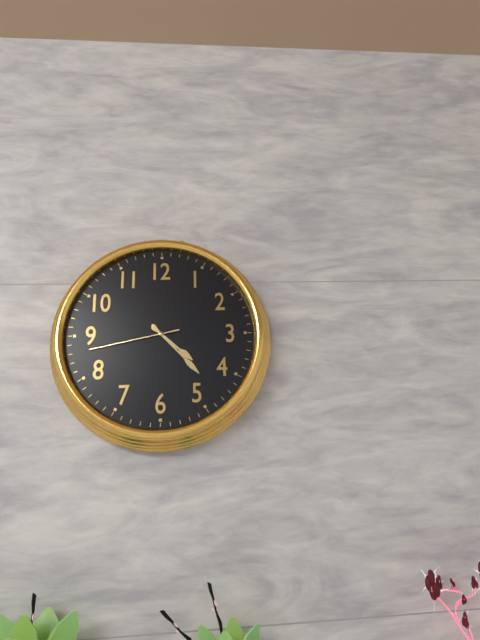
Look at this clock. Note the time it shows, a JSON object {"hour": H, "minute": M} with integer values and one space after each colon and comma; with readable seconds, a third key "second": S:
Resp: {"hour": 4, "minute": 23, "second": 43}
